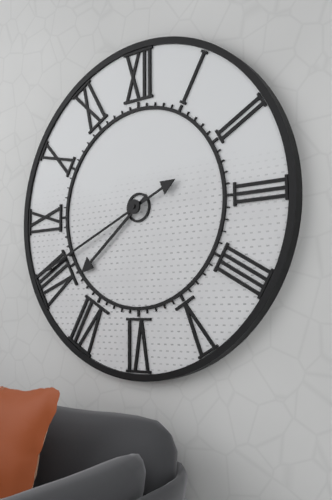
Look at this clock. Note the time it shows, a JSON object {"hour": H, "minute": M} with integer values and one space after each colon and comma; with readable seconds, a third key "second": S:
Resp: {"hour": 7, "minute": 41}
